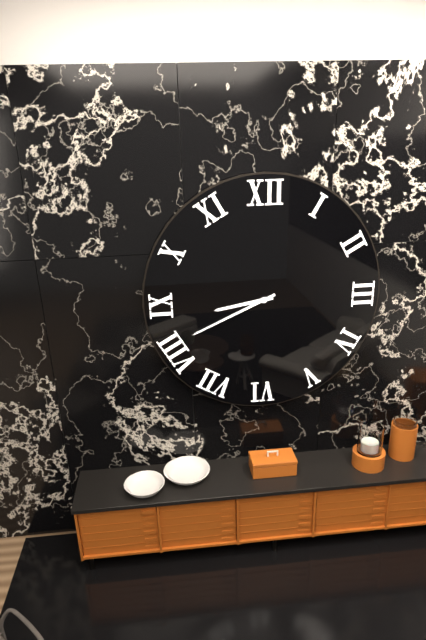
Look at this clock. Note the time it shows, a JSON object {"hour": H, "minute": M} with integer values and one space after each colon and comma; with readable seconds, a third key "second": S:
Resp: {"hour": 8, "minute": 41}
